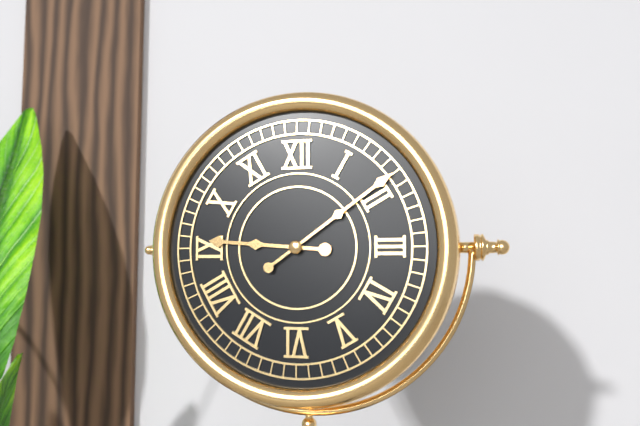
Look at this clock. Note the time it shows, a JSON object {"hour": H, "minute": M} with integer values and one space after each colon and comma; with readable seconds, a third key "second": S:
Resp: {"hour": 9, "minute": 9}
